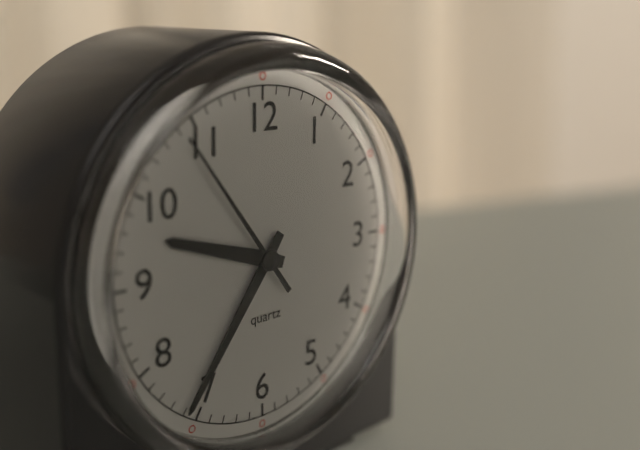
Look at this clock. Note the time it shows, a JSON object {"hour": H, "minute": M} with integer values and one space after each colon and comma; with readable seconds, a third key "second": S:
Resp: {"hour": 9, "minute": 36, "second": 54}
